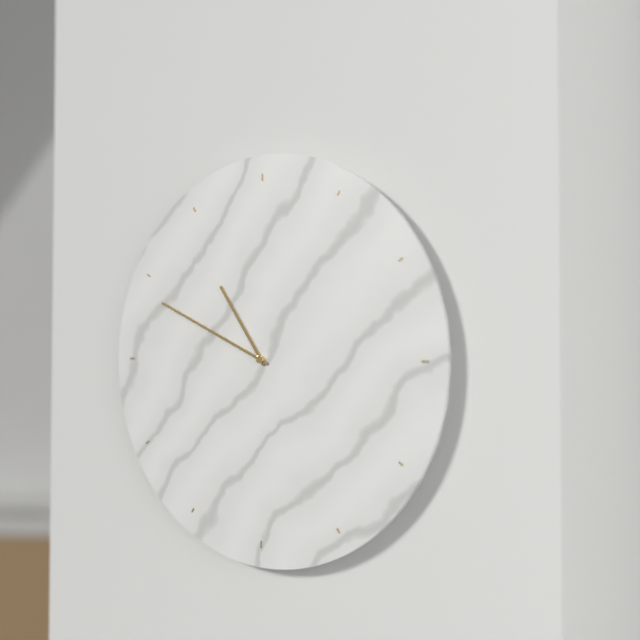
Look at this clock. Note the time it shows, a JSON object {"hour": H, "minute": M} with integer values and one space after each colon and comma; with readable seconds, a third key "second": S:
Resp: {"hour": 10, "minute": 49}
